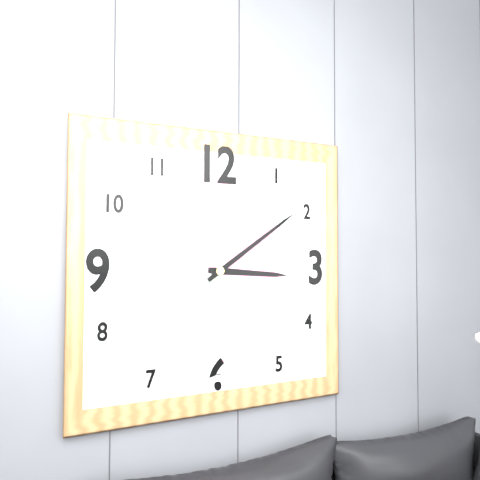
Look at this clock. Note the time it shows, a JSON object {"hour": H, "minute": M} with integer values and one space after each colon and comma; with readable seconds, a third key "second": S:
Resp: {"hour": 3, "minute": 9}
